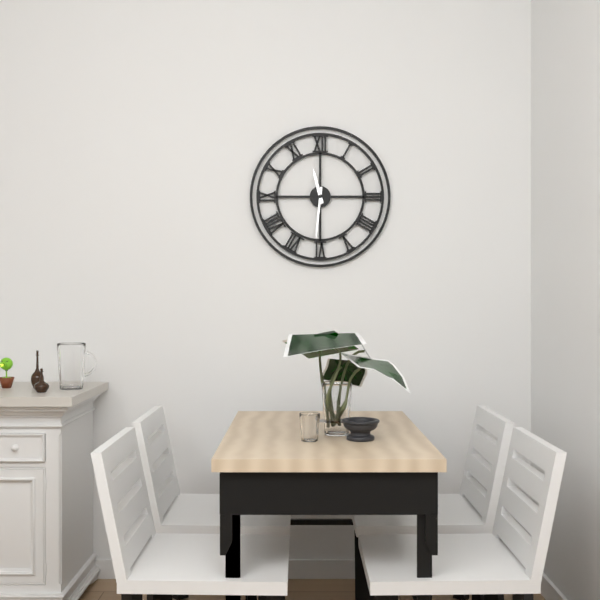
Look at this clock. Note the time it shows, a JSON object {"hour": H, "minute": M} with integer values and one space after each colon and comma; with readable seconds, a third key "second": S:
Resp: {"hour": 11, "minute": 31}
